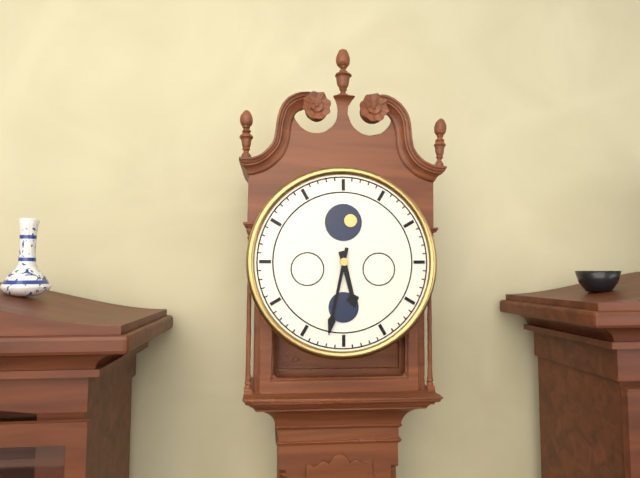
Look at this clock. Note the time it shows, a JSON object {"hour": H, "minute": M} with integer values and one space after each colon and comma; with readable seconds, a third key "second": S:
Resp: {"hour": 5, "minute": 32}
